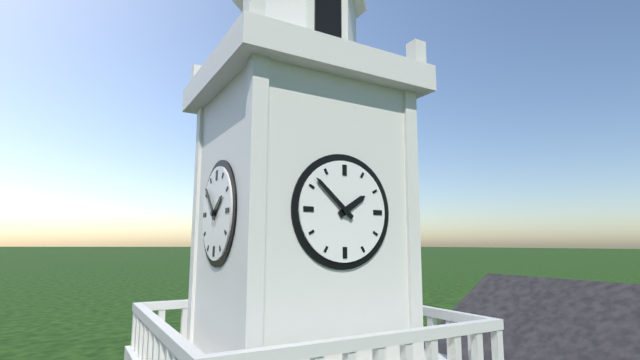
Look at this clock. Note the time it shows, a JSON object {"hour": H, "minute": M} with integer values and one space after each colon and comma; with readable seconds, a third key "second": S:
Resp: {"hour": 1, "minute": 52}
